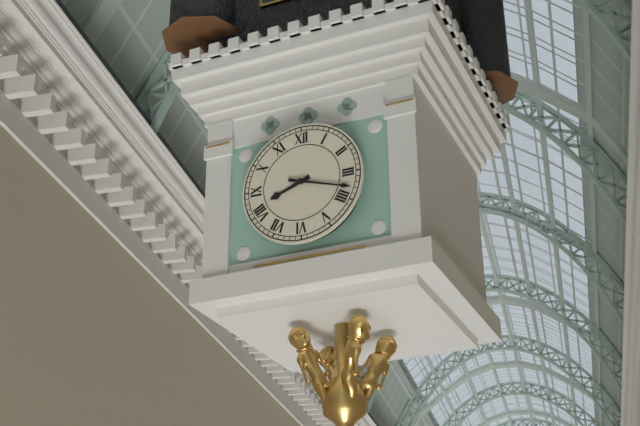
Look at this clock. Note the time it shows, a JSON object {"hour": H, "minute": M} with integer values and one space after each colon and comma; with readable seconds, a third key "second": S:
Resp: {"hour": 8, "minute": 18}
